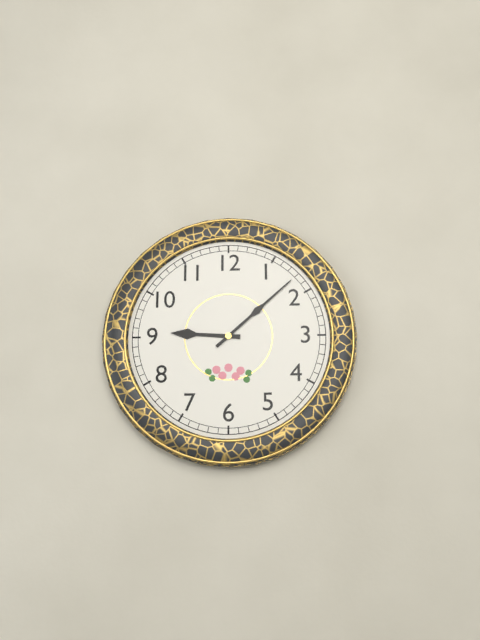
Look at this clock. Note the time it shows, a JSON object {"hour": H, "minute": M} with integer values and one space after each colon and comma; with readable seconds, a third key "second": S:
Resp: {"hour": 9, "minute": 8}
